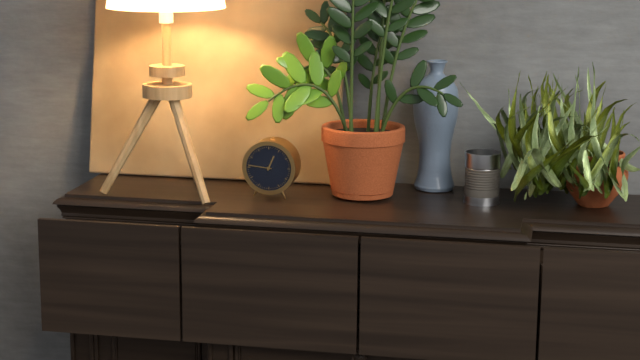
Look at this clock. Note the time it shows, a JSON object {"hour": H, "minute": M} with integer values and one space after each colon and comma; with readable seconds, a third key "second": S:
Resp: {"hour": 12, "minute": 46}
